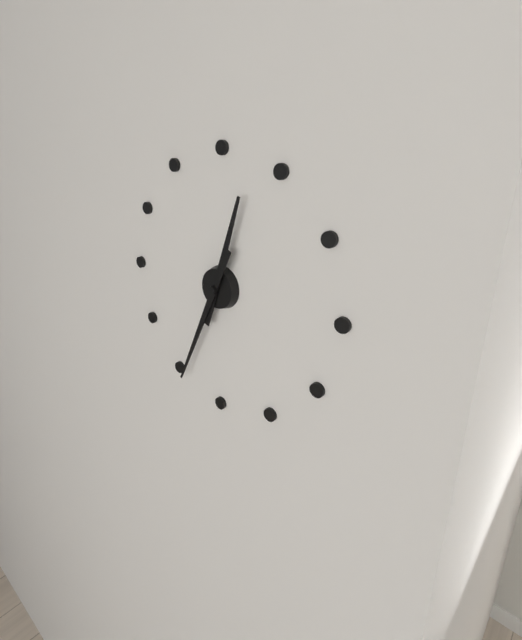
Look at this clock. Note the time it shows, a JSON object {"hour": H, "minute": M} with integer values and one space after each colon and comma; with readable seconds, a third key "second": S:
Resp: {"hour": 12, "minute": 34}
